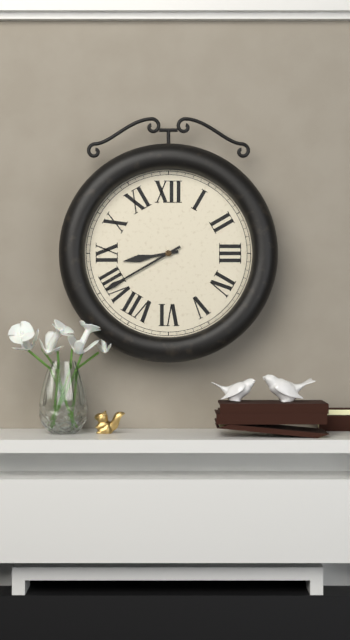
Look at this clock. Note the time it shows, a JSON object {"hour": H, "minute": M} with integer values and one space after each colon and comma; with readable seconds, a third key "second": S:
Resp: {"hour": 8, "minute": 40}
